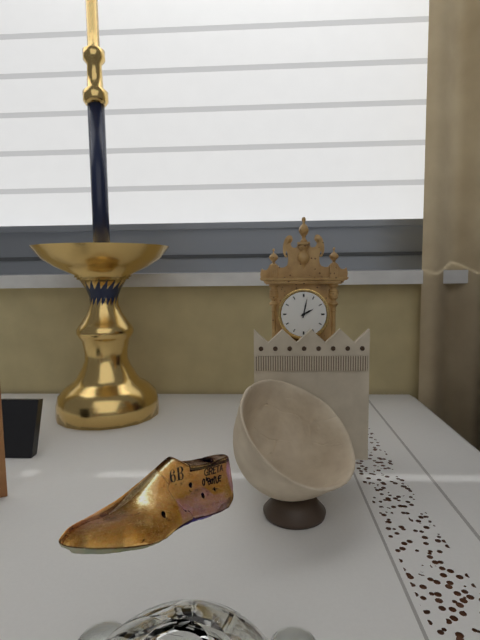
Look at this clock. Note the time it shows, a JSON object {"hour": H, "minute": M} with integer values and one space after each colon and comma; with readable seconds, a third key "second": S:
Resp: {"hour": 2, "minute": 2}
